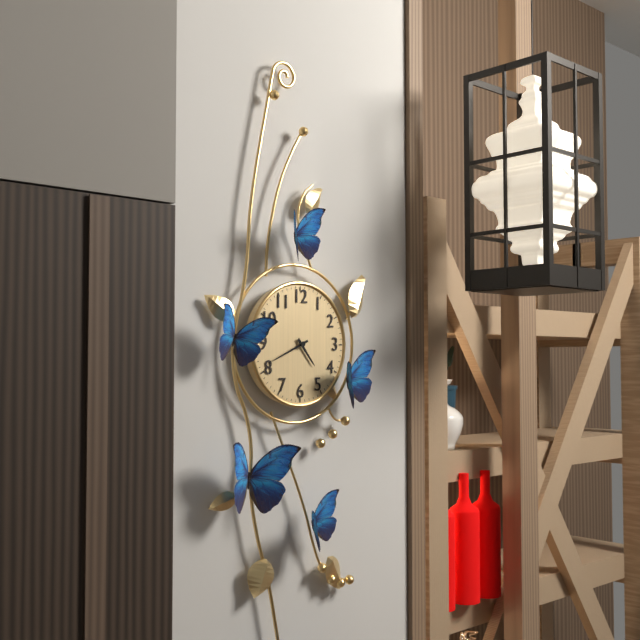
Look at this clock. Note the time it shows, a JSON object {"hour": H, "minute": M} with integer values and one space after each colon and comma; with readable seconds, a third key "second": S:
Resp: {"hour": 4, "minute": 41}
